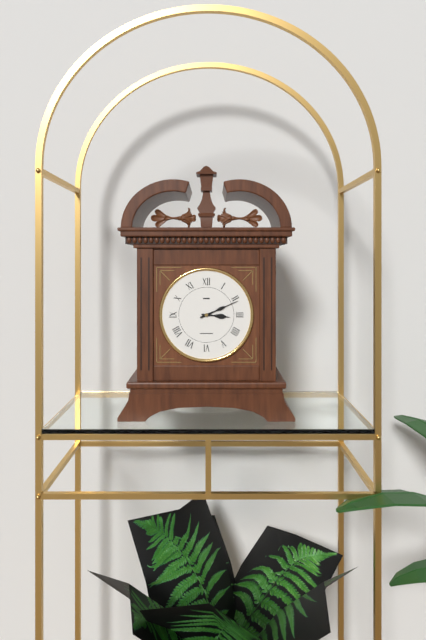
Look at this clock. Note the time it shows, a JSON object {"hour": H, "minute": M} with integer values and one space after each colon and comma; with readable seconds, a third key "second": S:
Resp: {"hour": 3, "minute": 11}
